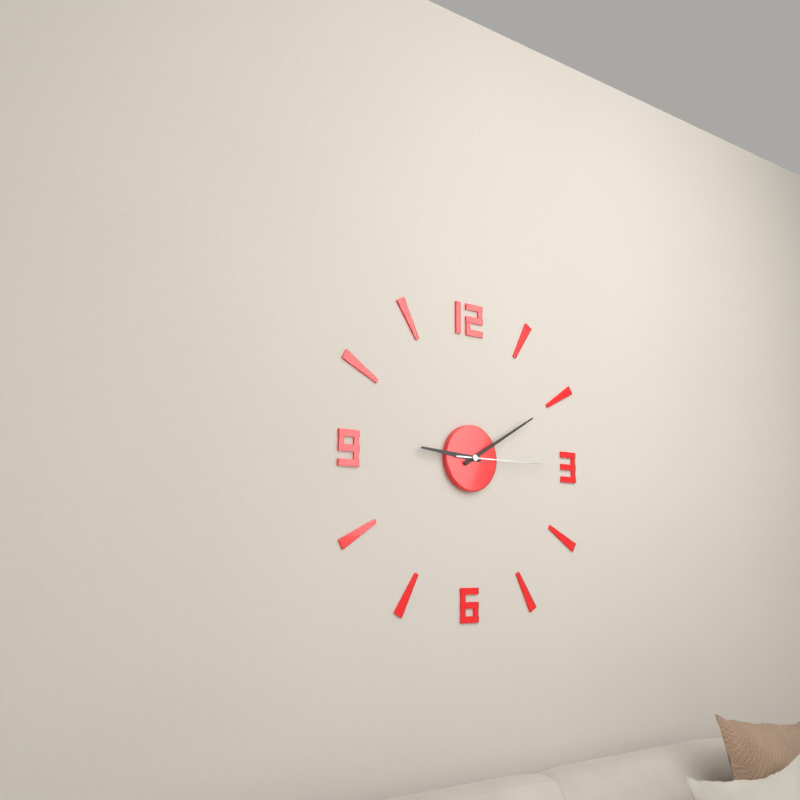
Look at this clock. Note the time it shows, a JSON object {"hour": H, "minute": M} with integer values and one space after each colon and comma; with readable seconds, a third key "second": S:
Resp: {"hour": 9, "minute": 10, "second": 15}
